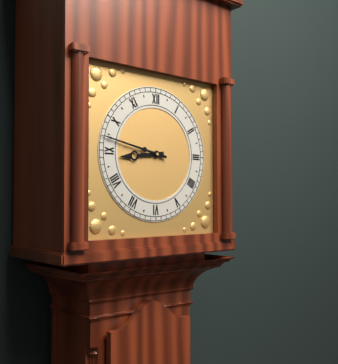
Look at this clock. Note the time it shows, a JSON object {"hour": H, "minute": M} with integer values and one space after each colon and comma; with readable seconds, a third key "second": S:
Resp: {"hour": 8, "minute": 47}
